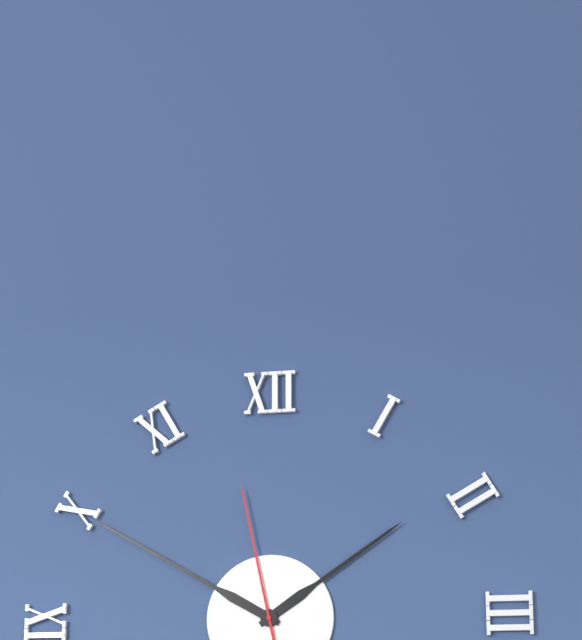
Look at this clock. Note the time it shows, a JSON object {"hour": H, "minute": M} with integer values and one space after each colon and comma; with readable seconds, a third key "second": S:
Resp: {"hour": 1, "minute": 50, "second": 58}
